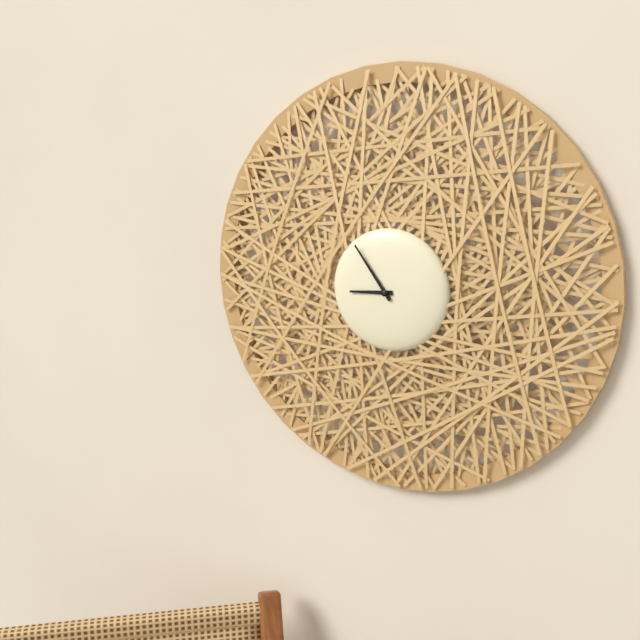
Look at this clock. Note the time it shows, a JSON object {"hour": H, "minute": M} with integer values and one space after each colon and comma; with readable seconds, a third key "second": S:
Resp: {"hour": 8, "minute": 54}
